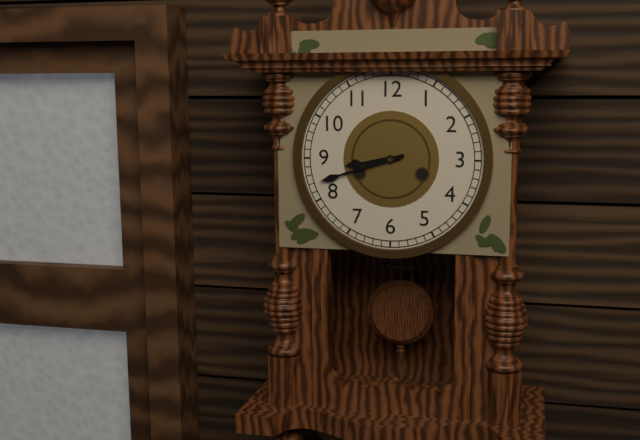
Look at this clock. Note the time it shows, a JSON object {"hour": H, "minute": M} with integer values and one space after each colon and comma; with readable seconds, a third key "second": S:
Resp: {"hour": 8, "minute": 42}
